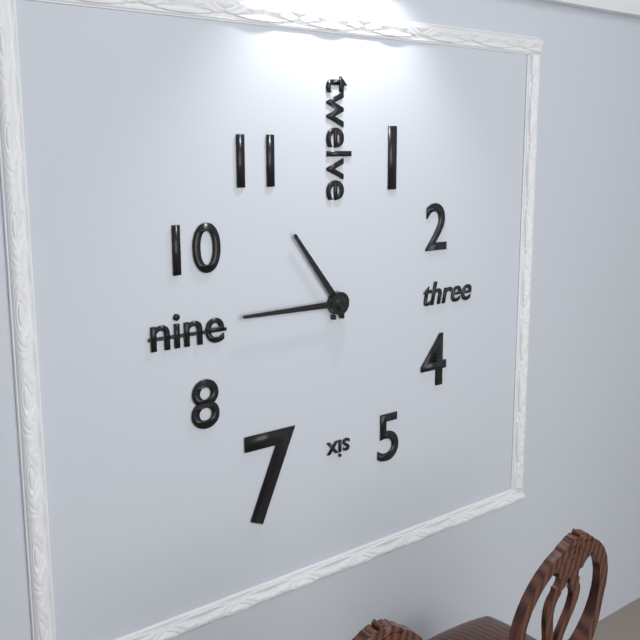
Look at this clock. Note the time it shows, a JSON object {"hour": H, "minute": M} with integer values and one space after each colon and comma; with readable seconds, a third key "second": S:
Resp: {"hour": 10, "minute": 45}
